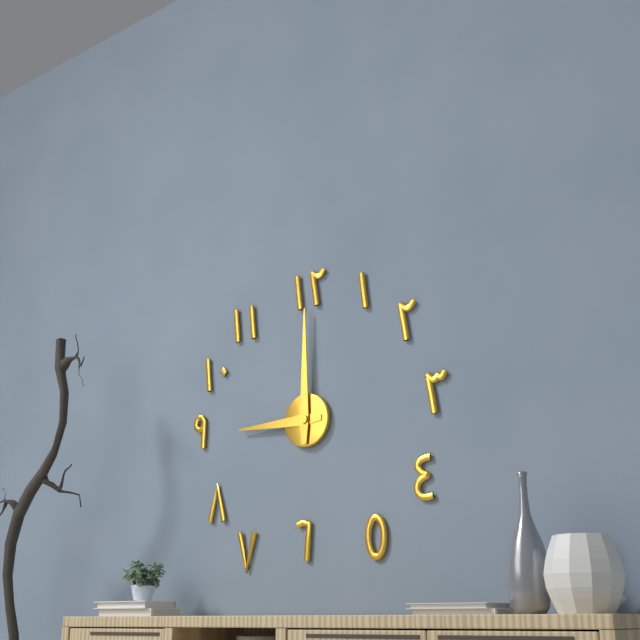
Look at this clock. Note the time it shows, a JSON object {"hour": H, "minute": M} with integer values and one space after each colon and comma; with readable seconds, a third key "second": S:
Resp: {"hour": 9, "minute": 0}
